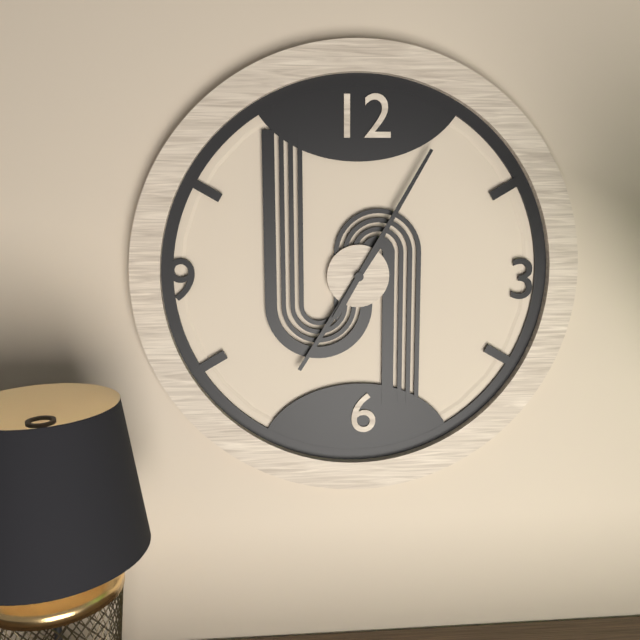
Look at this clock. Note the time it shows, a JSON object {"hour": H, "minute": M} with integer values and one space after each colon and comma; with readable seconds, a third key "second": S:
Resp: {"hour": 7, "minute": 5}
